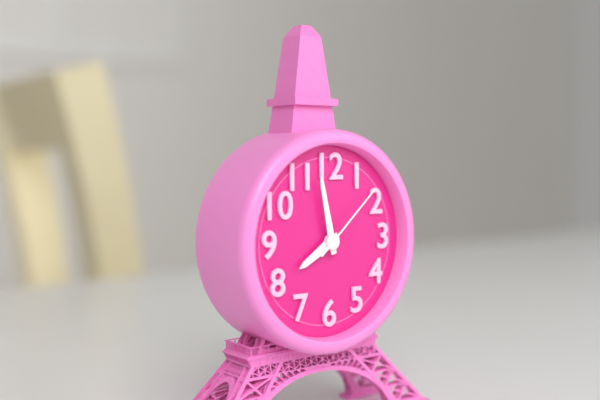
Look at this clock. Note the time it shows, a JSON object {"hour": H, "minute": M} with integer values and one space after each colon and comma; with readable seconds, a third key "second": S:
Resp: {"hour": 7, "minute": 58, "second": 8}
